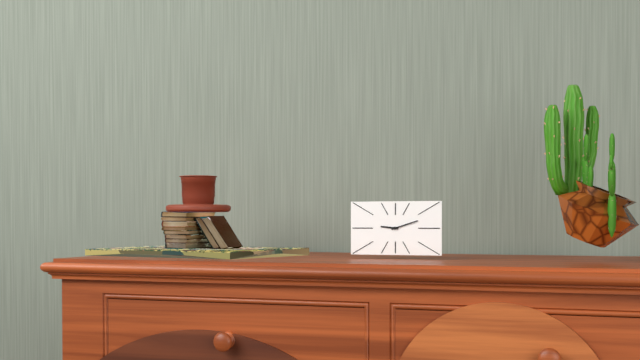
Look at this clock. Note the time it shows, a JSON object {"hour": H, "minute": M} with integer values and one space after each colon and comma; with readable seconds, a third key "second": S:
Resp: {"hour": 9, "minute": 12}
